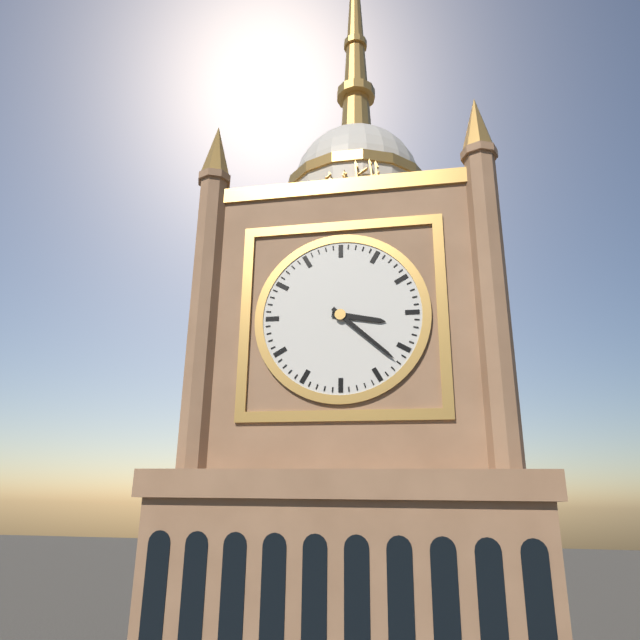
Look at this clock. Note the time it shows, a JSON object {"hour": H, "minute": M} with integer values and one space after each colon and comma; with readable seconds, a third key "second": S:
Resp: {"hour": 3, "minute": 22}
